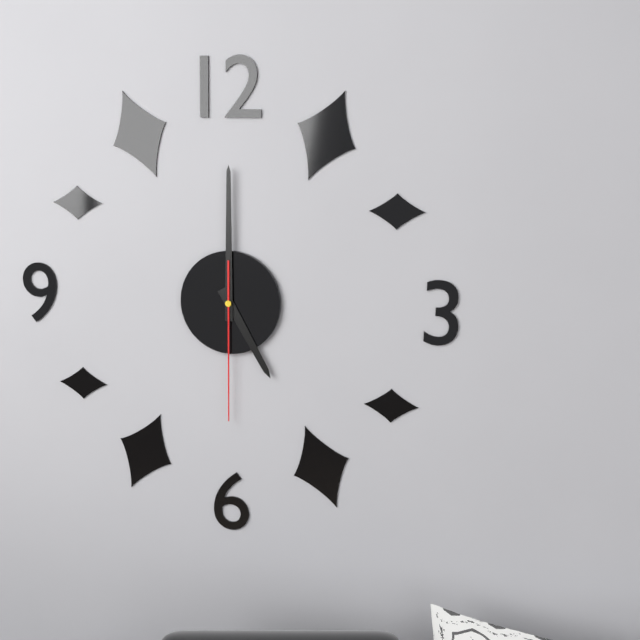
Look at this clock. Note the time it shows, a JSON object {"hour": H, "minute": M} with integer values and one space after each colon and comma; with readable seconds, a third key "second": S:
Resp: {"hour": 5, "minute": 0, "second": 30}
